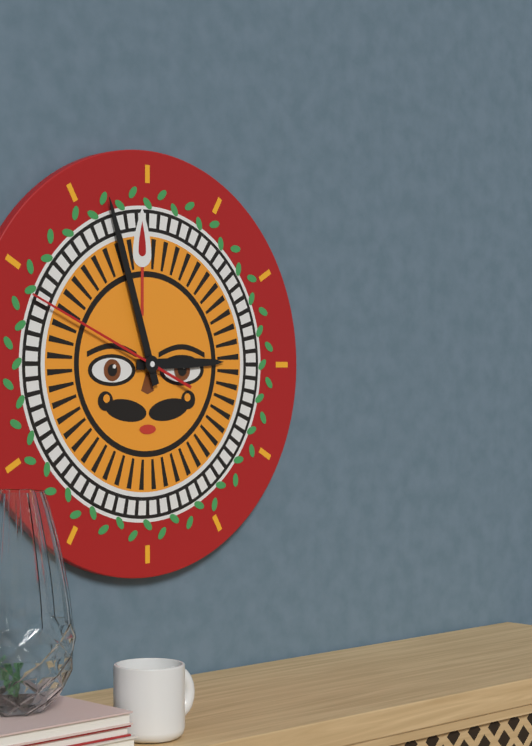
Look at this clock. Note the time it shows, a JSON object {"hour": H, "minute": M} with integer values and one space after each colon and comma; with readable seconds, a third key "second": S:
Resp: {"hour": 2, "minute": 57, "second": 49}
